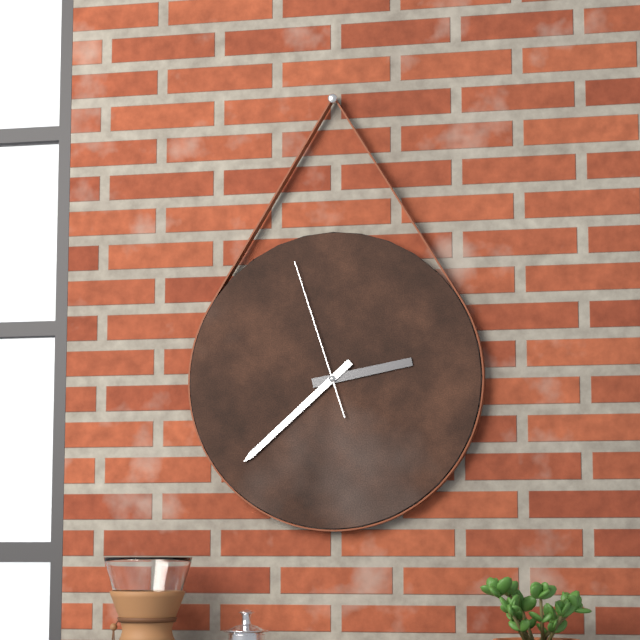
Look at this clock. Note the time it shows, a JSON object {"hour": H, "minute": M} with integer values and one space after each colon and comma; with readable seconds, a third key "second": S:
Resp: {"hour": 2, "minute": 38, "second": 57}
